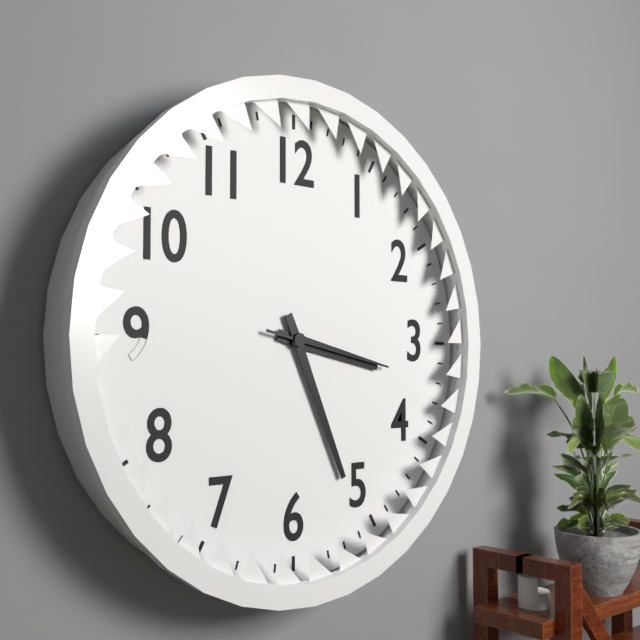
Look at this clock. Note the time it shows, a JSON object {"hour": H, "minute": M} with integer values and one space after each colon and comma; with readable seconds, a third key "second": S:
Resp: {"hour": 3, "minute": 26, "second": 17}
